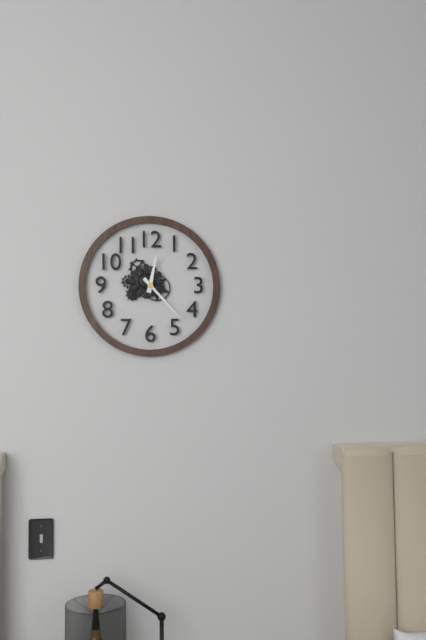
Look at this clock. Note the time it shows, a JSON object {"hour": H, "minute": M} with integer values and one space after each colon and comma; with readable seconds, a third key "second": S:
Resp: {"hour": 12, "minute": 23}
